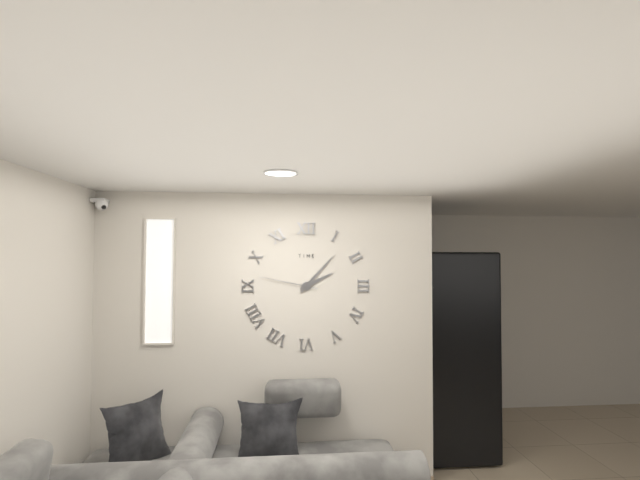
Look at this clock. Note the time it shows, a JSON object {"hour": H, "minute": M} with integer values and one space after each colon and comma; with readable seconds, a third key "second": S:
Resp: {"hour": 2, "minute": 7, "second": 47}
